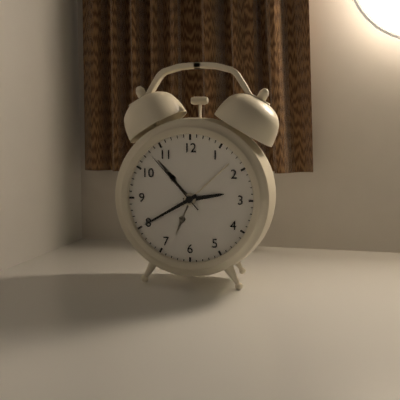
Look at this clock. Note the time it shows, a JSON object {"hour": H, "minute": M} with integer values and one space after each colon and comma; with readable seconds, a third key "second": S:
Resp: {"hour": 2, "minute": 40, "second": 53}
